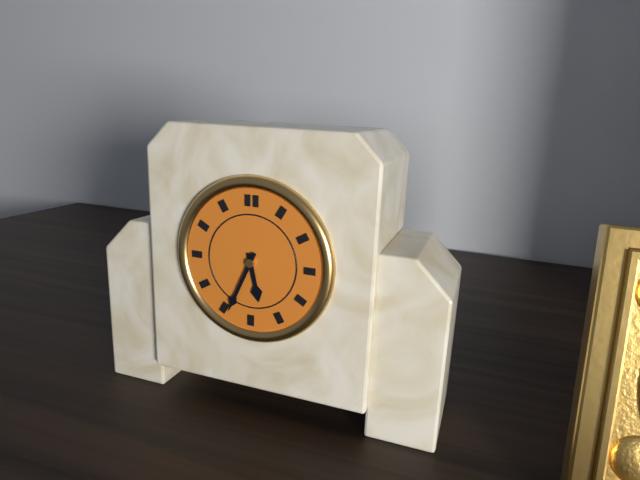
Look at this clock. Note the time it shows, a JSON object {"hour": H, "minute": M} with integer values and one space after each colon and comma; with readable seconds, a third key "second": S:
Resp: {"hour": 5, "minute": 34}
